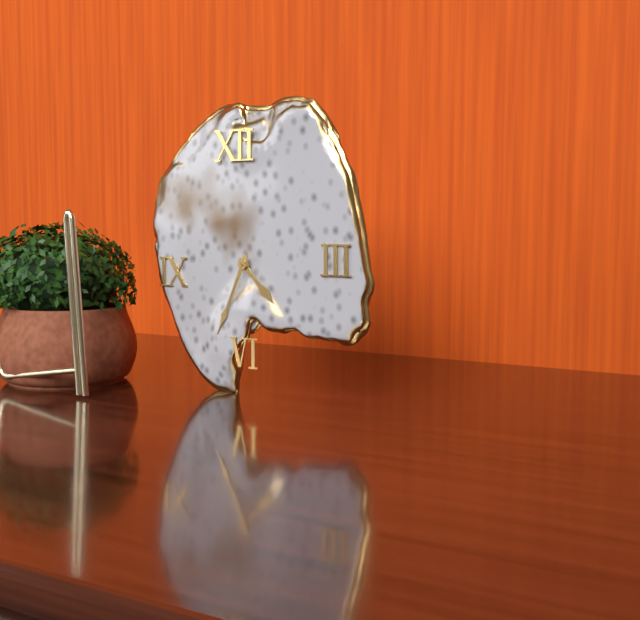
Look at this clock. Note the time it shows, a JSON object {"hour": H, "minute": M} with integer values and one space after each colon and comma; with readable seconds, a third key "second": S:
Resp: {"hour": 4, "minute": 34}
